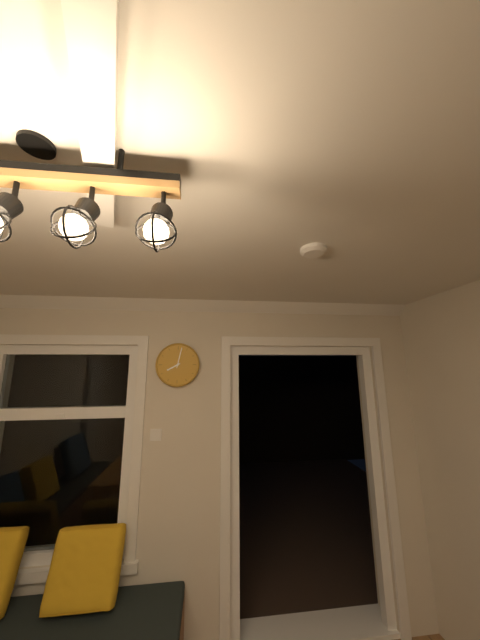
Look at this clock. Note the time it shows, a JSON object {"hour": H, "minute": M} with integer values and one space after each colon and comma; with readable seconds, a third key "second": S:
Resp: {"hour": 8, "minute": 2}
